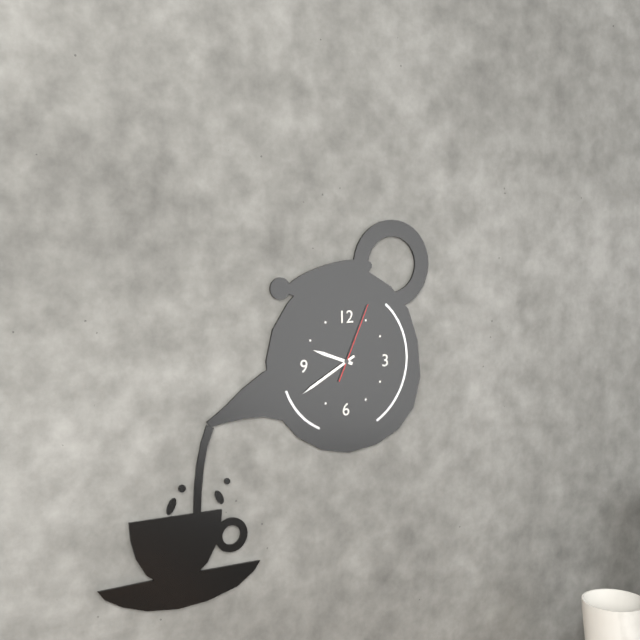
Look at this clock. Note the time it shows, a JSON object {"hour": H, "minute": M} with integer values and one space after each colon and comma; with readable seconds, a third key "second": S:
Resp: {"hour": 9, "minute": 40, "second": 4}
